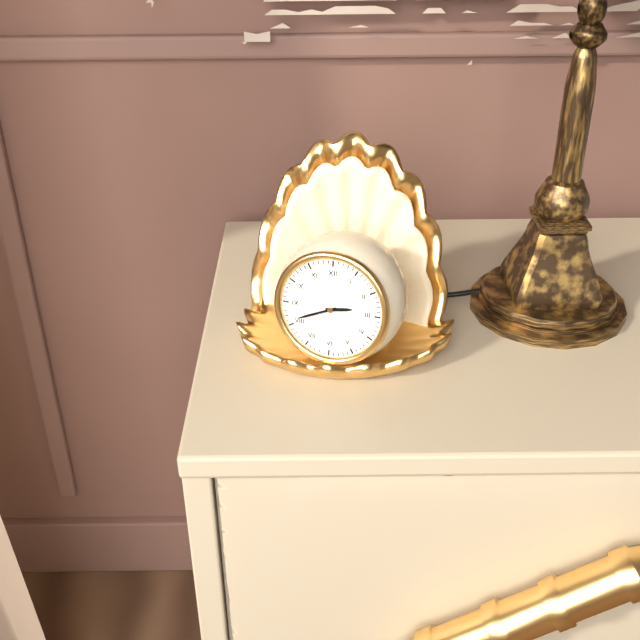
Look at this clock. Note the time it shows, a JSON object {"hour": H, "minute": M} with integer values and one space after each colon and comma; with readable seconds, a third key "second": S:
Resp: {"hour": 2, "minute": 41}
